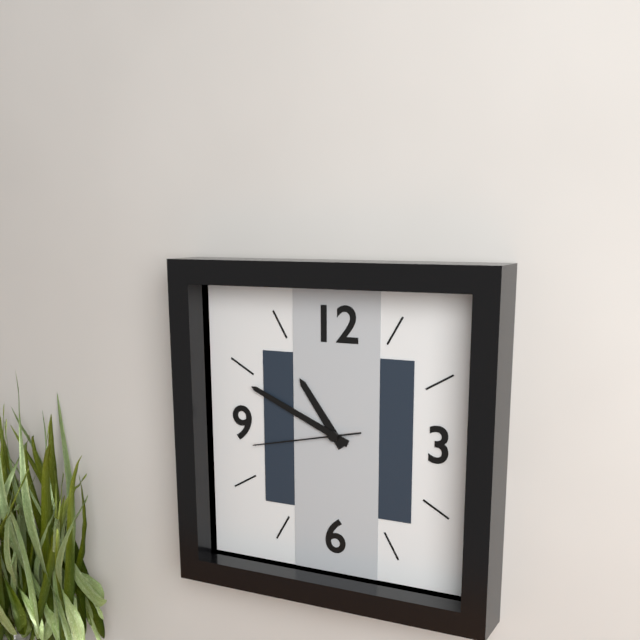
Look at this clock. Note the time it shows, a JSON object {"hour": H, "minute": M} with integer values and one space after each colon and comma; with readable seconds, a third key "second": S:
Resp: {"hour": 10, "minute": 49, "second": 43}
